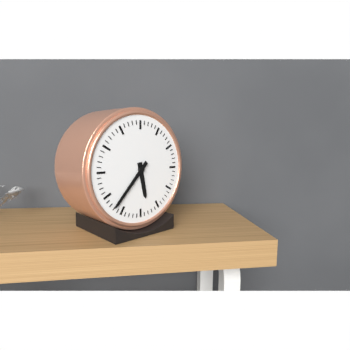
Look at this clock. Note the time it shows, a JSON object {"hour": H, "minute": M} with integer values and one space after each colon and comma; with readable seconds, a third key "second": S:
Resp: {"hour": 5, "minute": 37}
